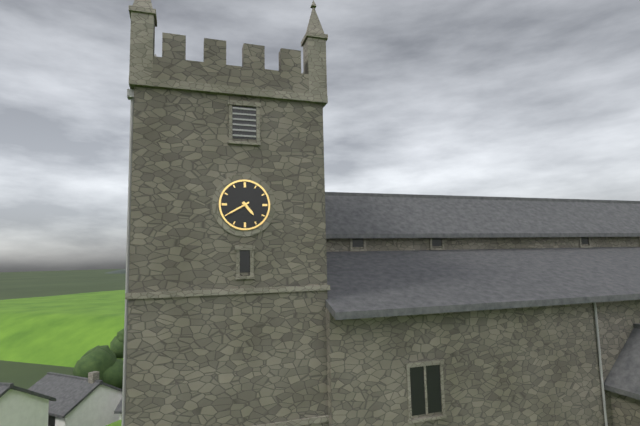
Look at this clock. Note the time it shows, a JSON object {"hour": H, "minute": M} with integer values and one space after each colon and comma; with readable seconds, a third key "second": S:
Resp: {"hour": 4, "minute": 40}
